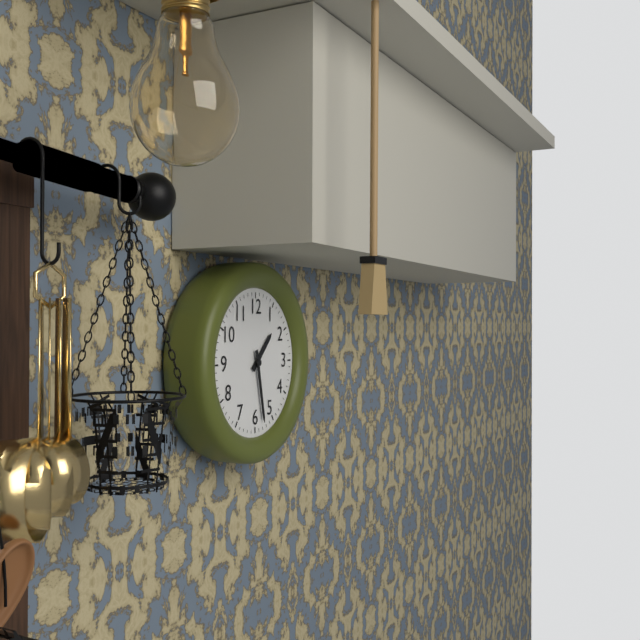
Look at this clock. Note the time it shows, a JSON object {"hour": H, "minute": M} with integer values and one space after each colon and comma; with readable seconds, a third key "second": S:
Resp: {"hour": 1, "minute": 28}
